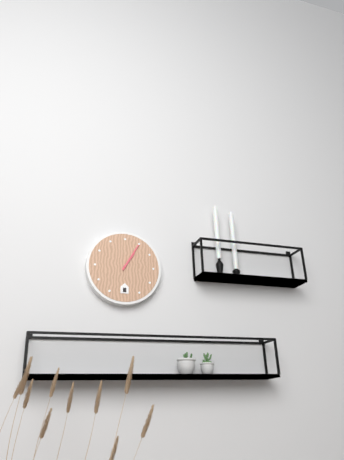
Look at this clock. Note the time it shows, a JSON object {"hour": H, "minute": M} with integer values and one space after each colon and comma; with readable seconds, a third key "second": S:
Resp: {"hour": 1, "minute": 5}
